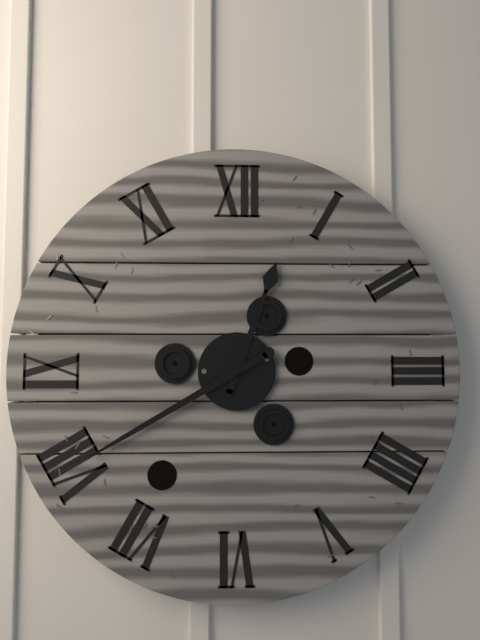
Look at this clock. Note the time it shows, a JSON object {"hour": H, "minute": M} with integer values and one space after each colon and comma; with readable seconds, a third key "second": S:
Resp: {"hour": 12, "minute": 40}
